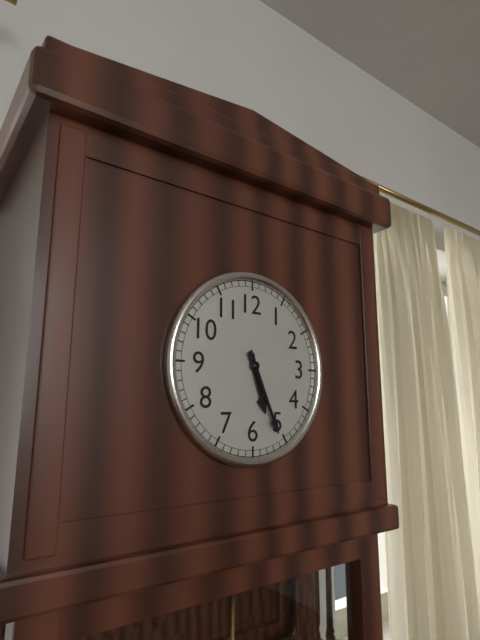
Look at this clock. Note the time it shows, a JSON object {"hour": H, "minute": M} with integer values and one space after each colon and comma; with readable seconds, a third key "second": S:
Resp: {"hour": 5, "minute": 26}
